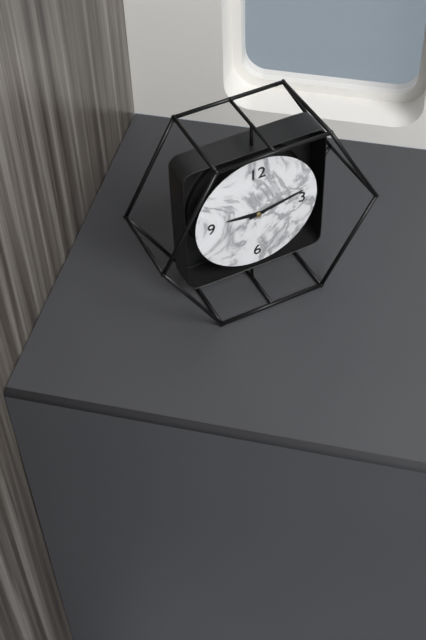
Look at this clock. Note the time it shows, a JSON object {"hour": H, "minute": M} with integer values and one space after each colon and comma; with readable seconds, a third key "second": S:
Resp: {"hour": 9, "minute": 13}
